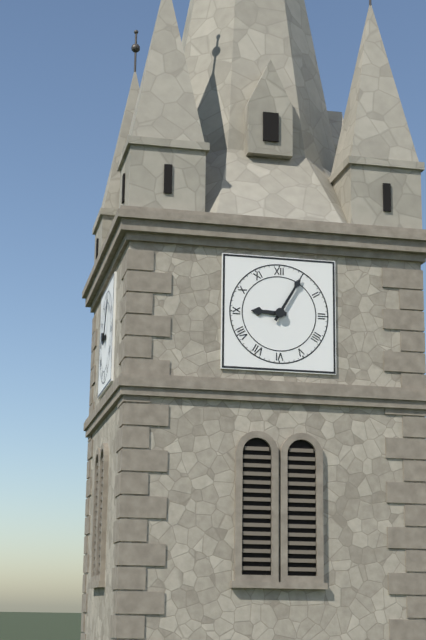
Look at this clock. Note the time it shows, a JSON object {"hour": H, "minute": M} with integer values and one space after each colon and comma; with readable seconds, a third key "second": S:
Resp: {"hour": 9, "minute": 5}
